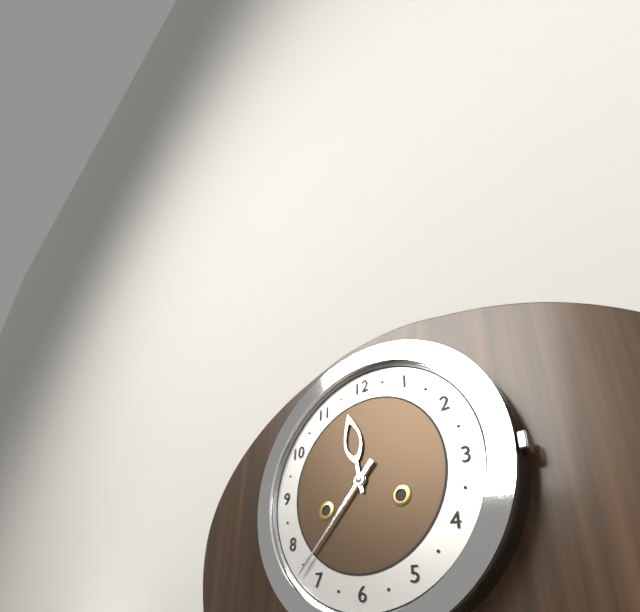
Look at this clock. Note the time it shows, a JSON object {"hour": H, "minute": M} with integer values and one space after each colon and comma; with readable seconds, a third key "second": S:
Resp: {"hour": 11, "minute": 37}
